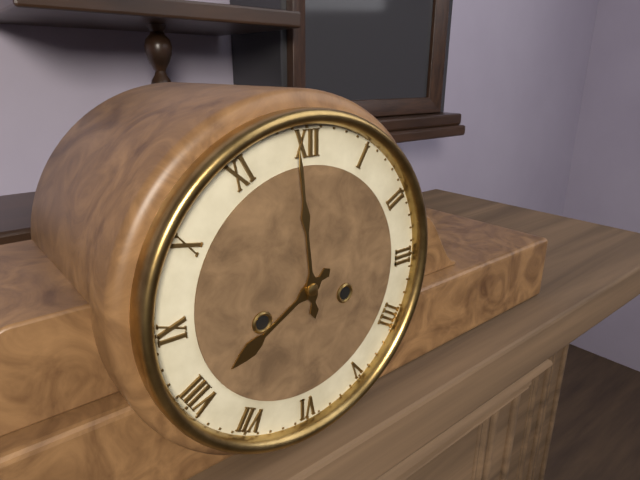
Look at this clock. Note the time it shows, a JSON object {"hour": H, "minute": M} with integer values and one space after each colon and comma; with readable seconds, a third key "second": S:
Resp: {"hour": 7, "minute": 59}
